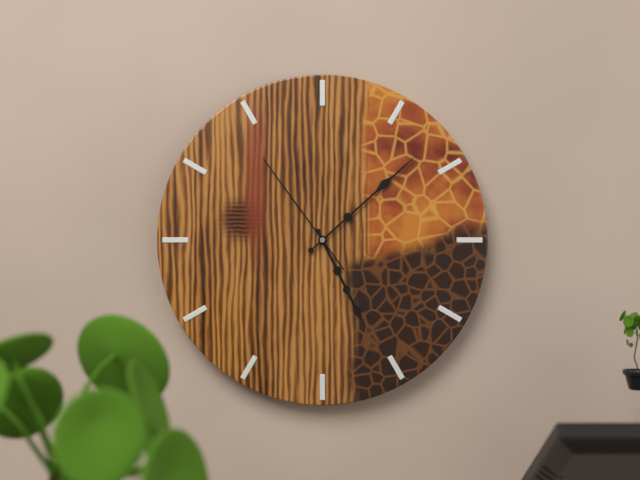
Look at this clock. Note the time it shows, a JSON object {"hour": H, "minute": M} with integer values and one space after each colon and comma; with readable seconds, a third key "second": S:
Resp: {"hour": 5, "minute": 8, "second": 54}
